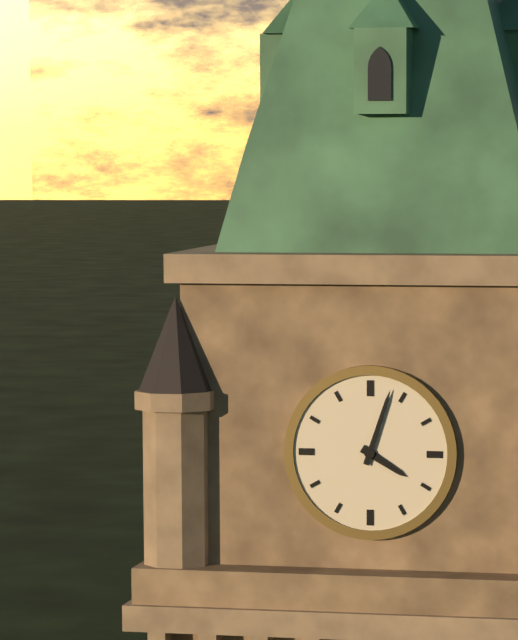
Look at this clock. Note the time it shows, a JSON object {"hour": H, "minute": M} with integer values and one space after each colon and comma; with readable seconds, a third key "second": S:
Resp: {"hour": 4, "minute": 3}
